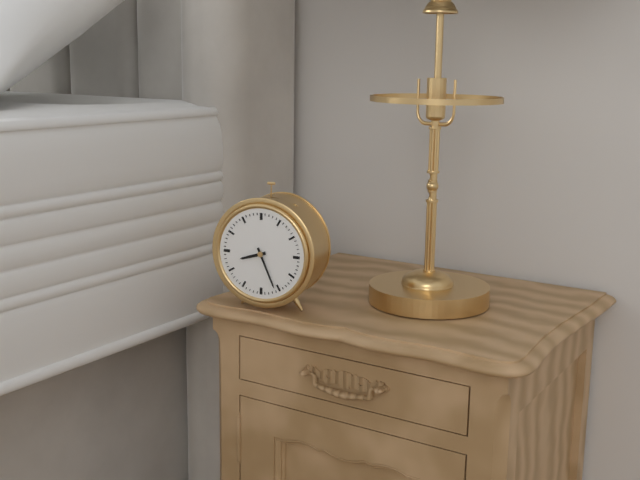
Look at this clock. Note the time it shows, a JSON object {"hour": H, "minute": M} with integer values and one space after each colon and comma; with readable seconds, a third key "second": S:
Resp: {"hour": 8, "minute": 26}
